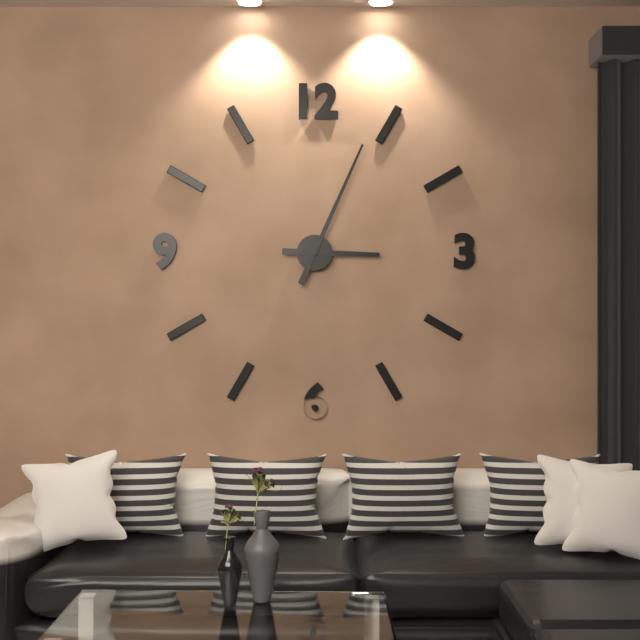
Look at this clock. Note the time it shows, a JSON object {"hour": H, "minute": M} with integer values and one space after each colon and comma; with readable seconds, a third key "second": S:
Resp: {"hour": 3, "minute": 4}
